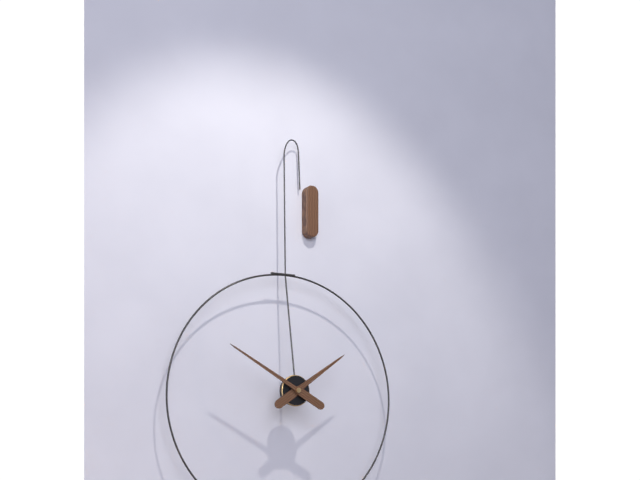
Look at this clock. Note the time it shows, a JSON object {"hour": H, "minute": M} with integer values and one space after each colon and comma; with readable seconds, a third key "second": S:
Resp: {"hour": 1, "minute": 50}
